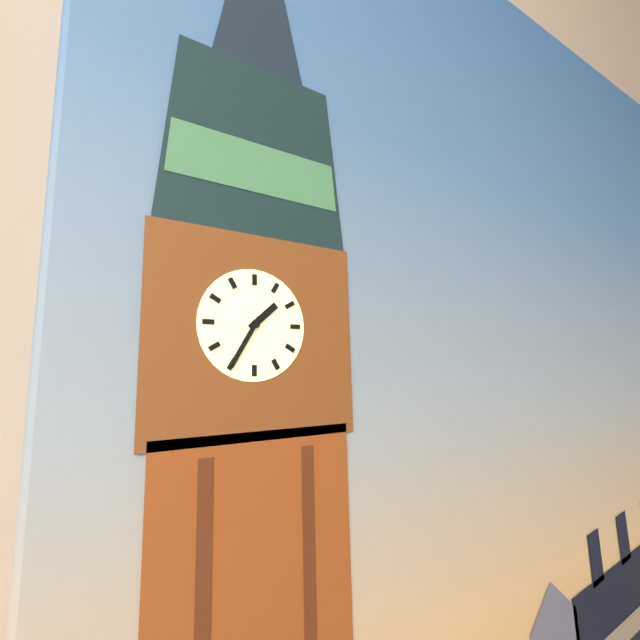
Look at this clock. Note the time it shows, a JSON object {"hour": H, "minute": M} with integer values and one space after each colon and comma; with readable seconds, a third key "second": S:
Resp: {"hour": 1, "minute": 35}
